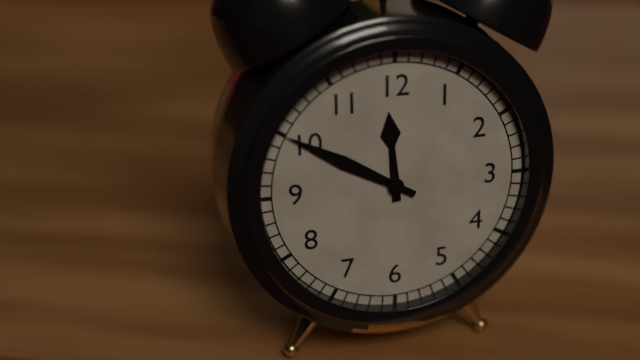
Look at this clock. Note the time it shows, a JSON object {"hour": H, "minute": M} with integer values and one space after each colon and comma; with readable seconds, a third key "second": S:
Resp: {"hour": 11, "minute": 50}
